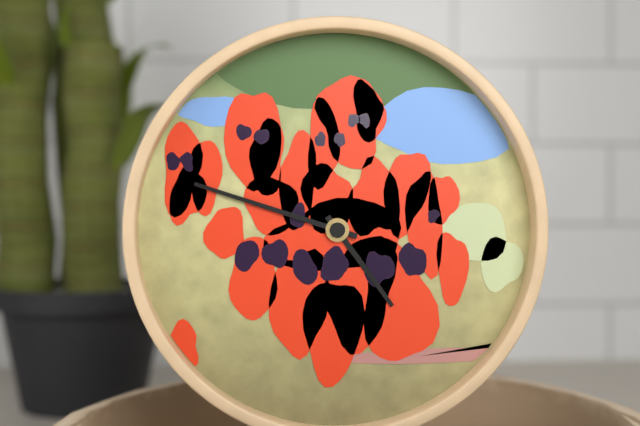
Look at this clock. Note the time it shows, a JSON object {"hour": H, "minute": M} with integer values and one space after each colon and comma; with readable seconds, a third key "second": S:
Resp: {"hour": 4, "minute": 48}
